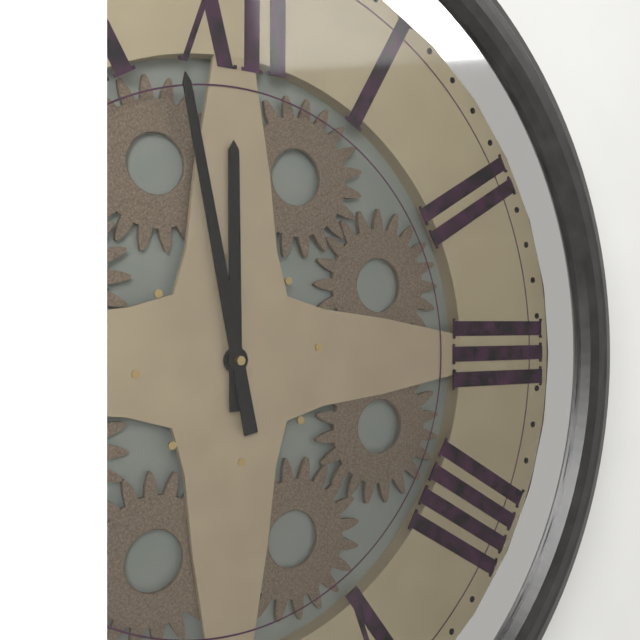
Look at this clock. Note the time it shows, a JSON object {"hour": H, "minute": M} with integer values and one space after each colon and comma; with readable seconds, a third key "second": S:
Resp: {"hour": 11, "minute": 58}
